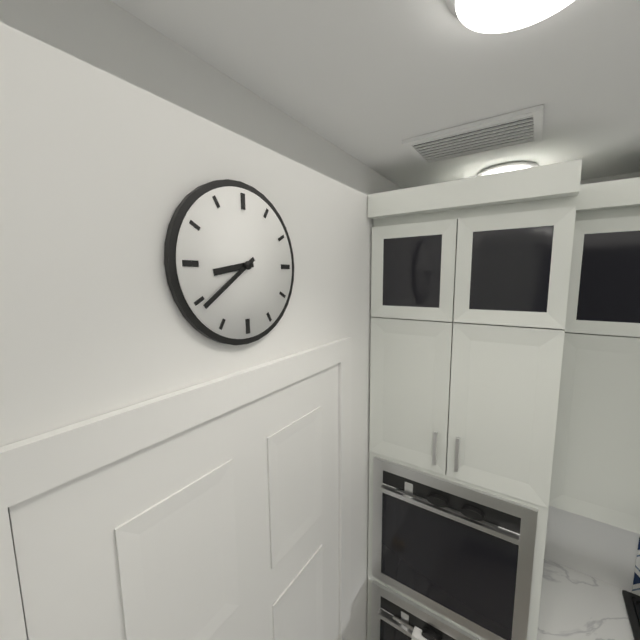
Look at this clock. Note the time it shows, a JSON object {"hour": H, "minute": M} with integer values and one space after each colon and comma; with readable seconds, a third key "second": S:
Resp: {"hour": 8, "minute": 39}
